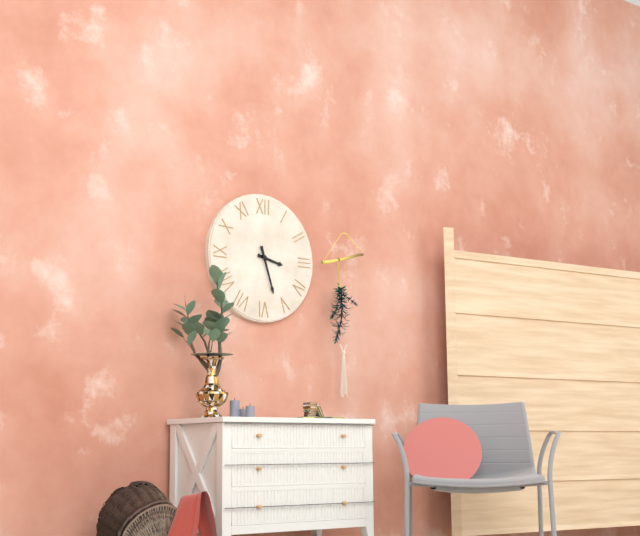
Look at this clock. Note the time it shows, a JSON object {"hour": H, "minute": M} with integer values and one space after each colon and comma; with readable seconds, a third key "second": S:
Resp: {"hour": 3, "minute": 27}
